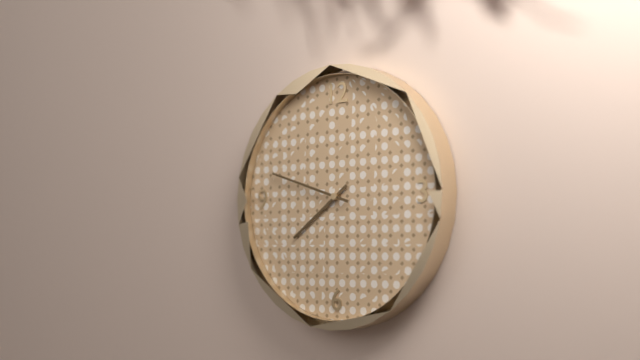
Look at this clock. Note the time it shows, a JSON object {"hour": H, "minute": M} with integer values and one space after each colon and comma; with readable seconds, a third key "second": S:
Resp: {"hour": 7, "minute": 48}
